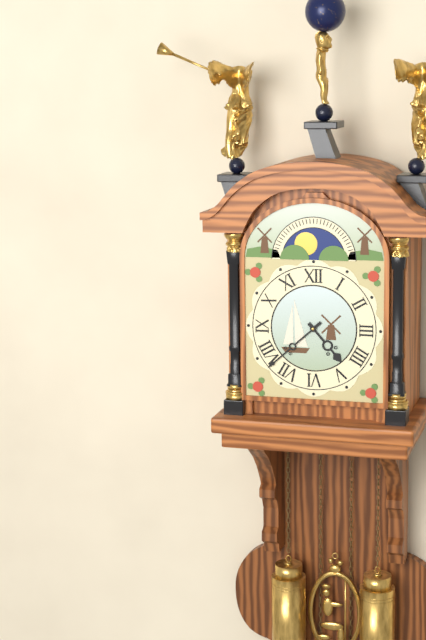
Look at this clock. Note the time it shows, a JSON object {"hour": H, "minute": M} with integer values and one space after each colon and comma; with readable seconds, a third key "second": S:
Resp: {"hour": 4, "minute": 38}
